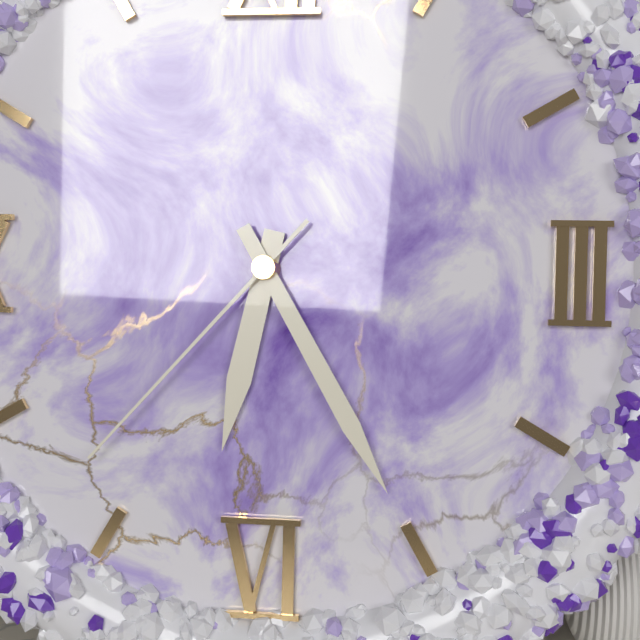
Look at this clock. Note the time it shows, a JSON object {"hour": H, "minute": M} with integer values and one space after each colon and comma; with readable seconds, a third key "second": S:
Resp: {"hour": 6, "minute": 25, "second": 37}
